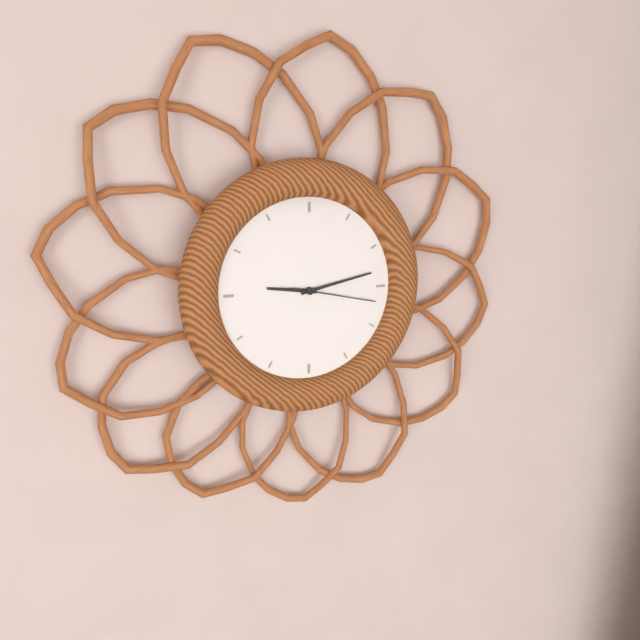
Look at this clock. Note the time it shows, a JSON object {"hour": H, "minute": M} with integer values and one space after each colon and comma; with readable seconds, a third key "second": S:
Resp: {"hour": 9, "minute": 13, "second": 17}
